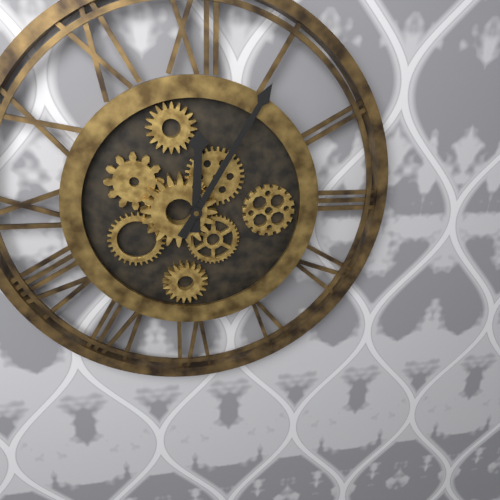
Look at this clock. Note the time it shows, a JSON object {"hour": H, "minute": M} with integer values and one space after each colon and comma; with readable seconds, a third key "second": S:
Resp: {"hour": 12, "minute": 5}
